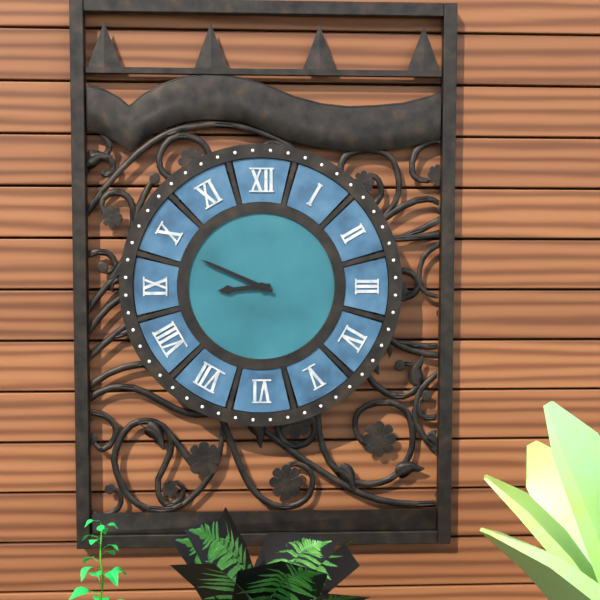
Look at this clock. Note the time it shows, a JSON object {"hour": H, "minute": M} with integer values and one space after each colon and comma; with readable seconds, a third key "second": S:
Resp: {"hour": 8, "minute": 49}
